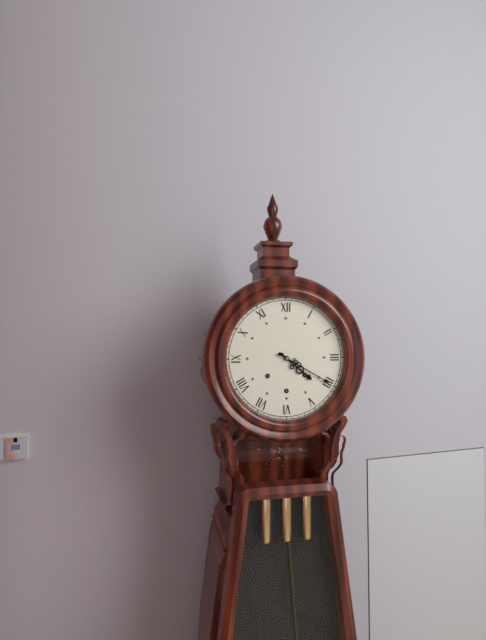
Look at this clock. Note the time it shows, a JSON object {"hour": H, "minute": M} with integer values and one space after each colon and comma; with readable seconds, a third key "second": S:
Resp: {"hour": 4, "minute": 20}
